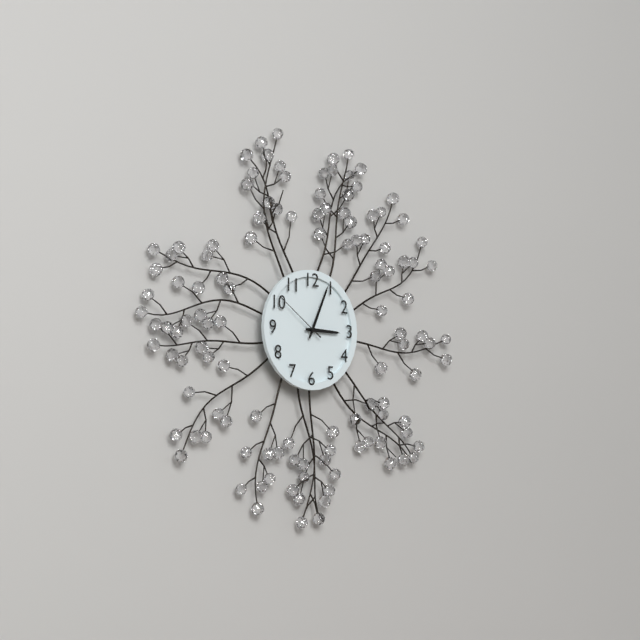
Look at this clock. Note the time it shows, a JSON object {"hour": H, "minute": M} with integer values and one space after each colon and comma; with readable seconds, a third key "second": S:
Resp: {"hour": 3, "minute": 4, "second": 51}
